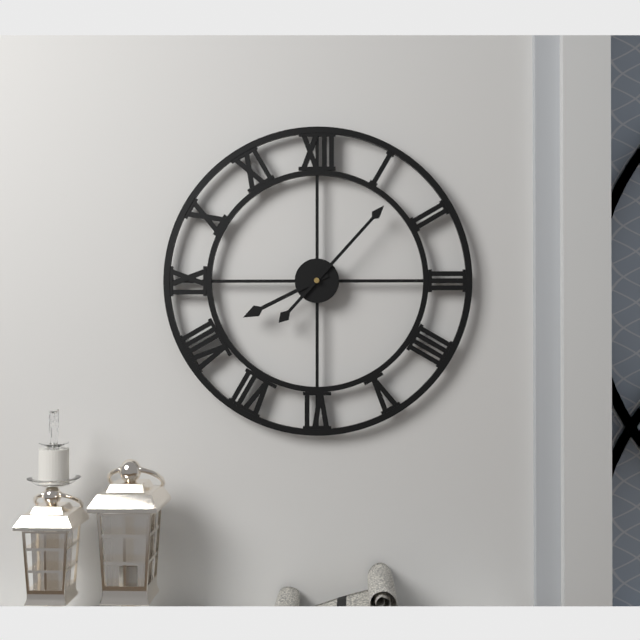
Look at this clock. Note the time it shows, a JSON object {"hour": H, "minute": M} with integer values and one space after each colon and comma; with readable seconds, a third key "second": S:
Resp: {"hour": 8, "minute": 7}
